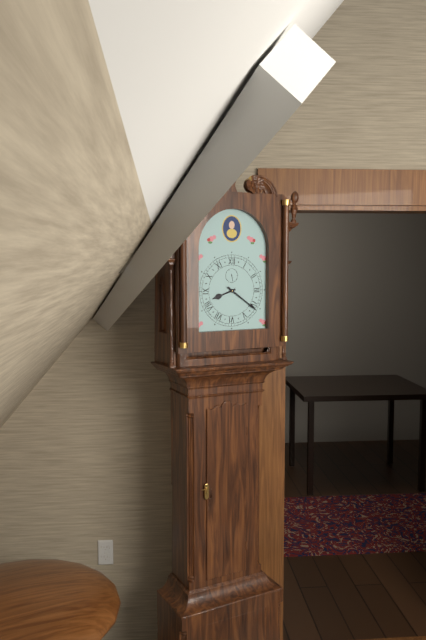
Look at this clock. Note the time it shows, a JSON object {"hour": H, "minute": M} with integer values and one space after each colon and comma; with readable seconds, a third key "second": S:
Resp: {"hour": 8, "minute": 21}
